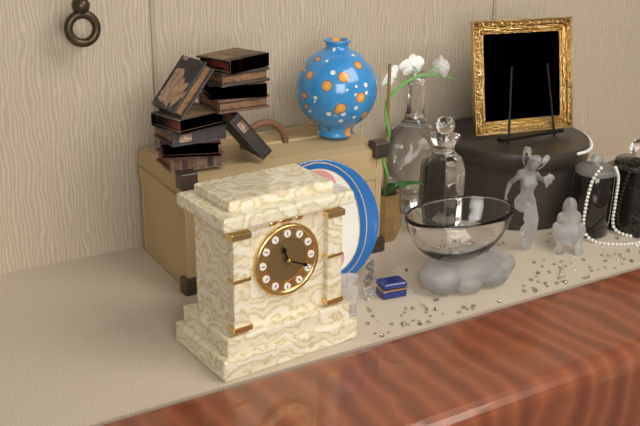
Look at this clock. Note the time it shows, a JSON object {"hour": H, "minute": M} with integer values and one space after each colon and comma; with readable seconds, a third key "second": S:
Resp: {"hour": 11, "minute": 19}
